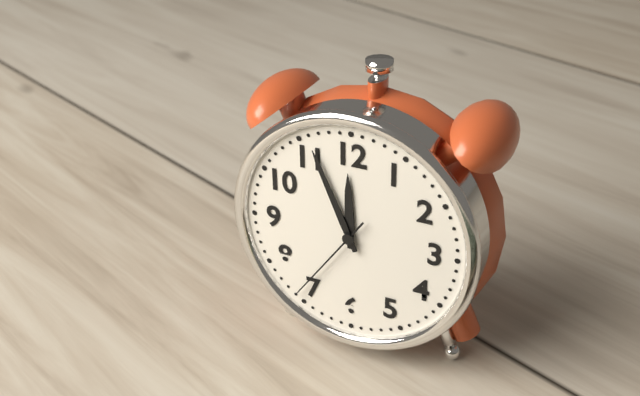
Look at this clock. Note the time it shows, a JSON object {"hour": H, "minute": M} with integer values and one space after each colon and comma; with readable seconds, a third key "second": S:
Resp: {"hour": 11, "minute": 56, "second": 36}
